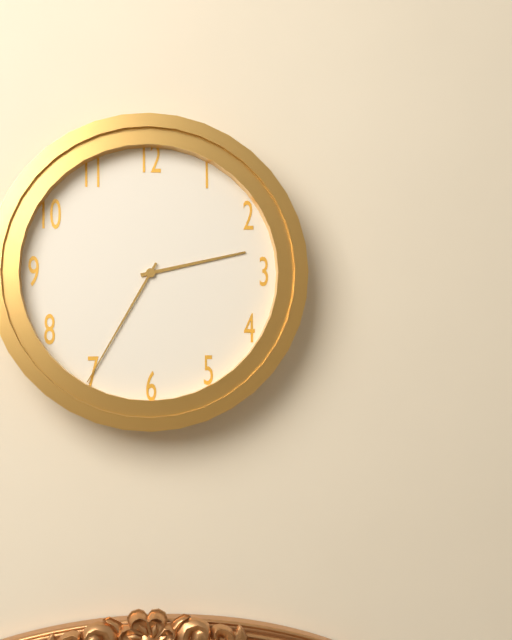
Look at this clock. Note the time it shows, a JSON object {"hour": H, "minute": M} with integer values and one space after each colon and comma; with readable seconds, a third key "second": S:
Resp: {"hour": 2, "minute": 35}
